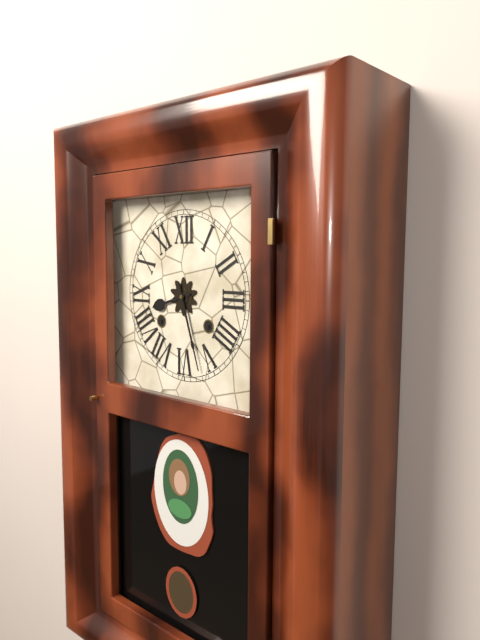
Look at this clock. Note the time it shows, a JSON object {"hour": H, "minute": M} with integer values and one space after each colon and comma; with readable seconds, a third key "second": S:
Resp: {"hour": 8, "minute": 27}
